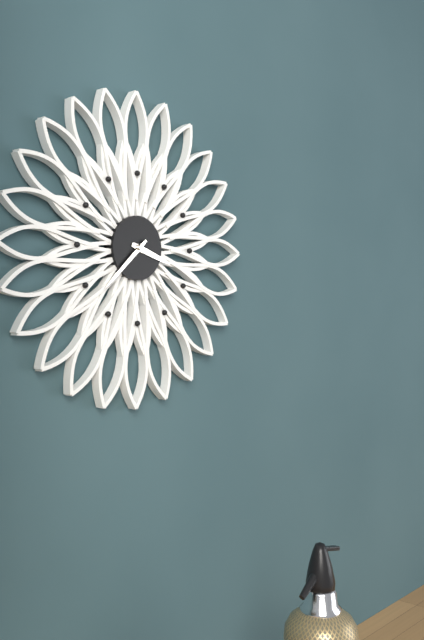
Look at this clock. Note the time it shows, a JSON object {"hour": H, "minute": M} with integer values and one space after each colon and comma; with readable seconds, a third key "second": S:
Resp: {"hour": 3, "minute": 38}
